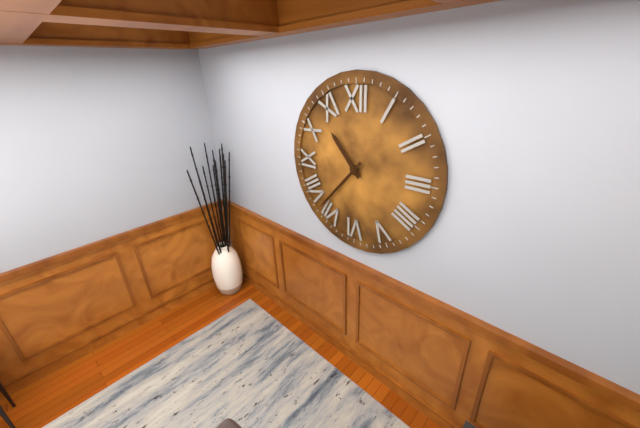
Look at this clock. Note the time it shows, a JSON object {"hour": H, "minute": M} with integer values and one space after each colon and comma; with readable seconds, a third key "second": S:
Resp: {"hour": 10, "minute": 37}
